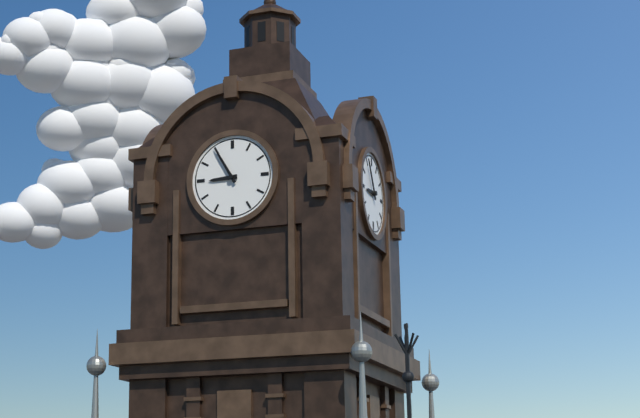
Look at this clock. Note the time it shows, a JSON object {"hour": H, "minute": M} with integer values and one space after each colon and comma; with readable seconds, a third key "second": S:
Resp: {"hour": 8, "minute": 55}
